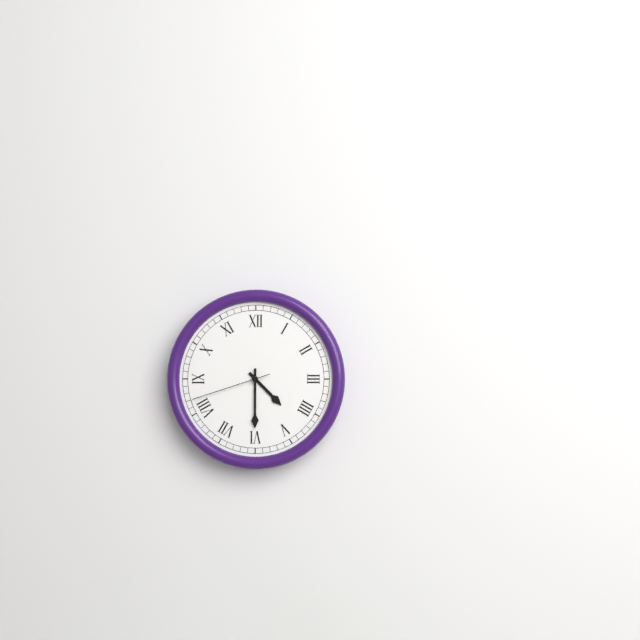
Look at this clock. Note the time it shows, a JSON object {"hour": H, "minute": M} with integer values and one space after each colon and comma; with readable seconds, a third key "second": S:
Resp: {"hour": 4, "minute": 30, "second": 42}
